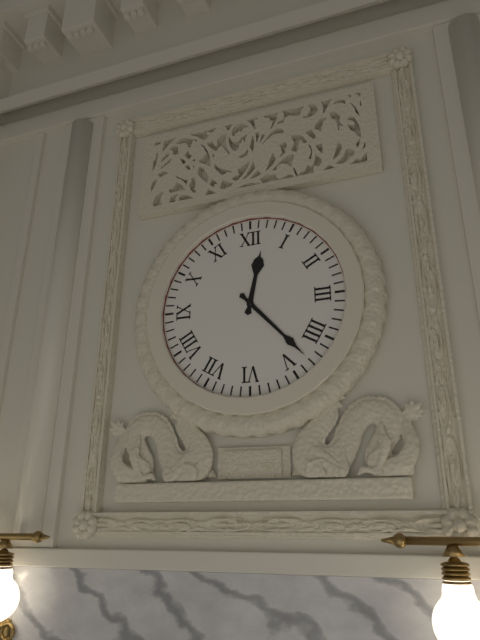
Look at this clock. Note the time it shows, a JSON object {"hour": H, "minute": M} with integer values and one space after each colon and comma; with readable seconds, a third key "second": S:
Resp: {"hour": 12, "minute": 23}
